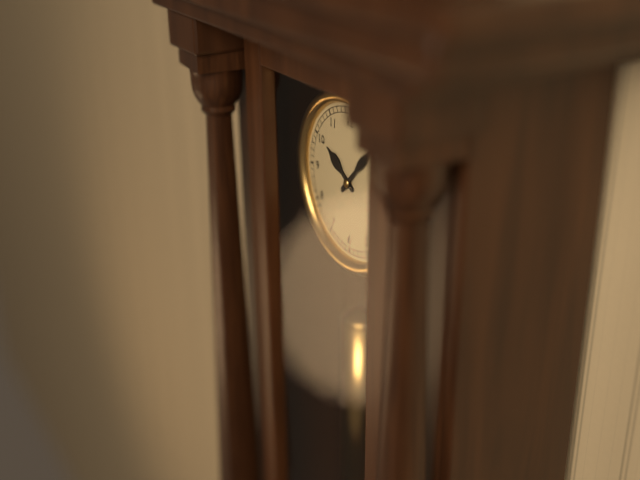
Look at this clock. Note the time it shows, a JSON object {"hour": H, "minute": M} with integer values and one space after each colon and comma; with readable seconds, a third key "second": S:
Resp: {"hour": 10, "minute": 7}
